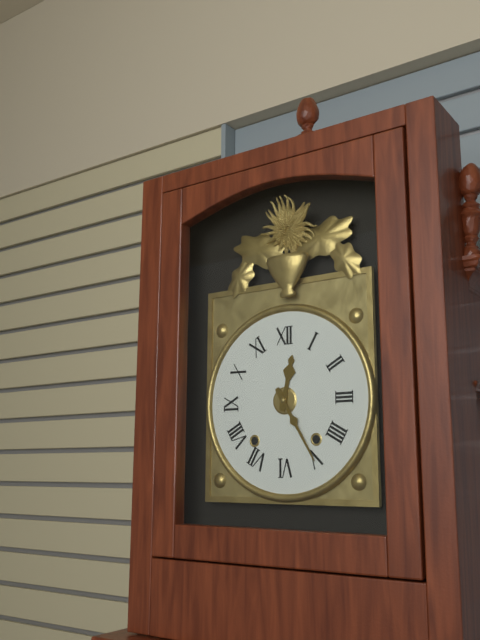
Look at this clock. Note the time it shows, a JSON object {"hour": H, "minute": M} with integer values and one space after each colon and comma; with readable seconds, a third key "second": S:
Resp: {"hour": 12, "minute": 25}
